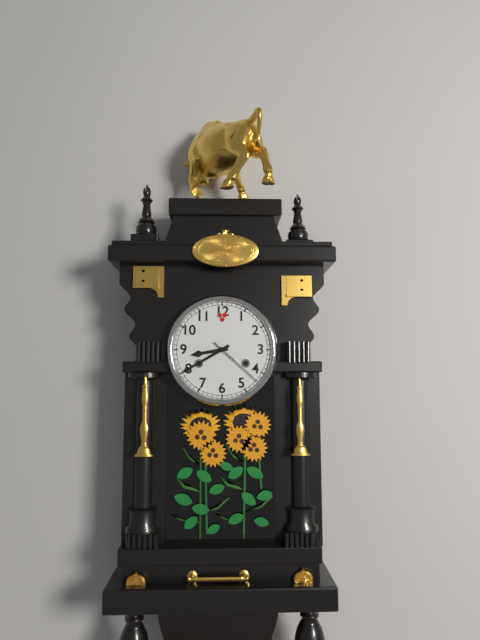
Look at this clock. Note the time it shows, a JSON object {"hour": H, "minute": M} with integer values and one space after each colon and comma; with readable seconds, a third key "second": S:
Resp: {"hour": 8, "minute": 40, "second": 22}
